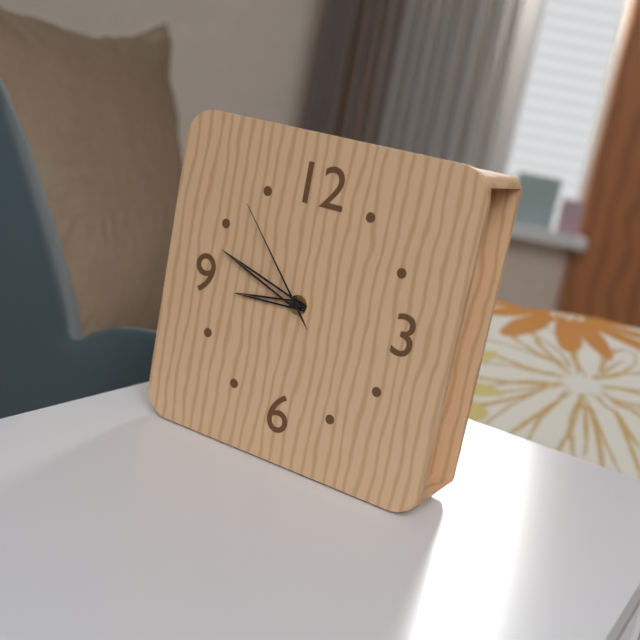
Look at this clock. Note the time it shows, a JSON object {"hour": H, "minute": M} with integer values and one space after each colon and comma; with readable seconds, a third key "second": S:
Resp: {"hour": 8, "minute": 48, "second": 53}
